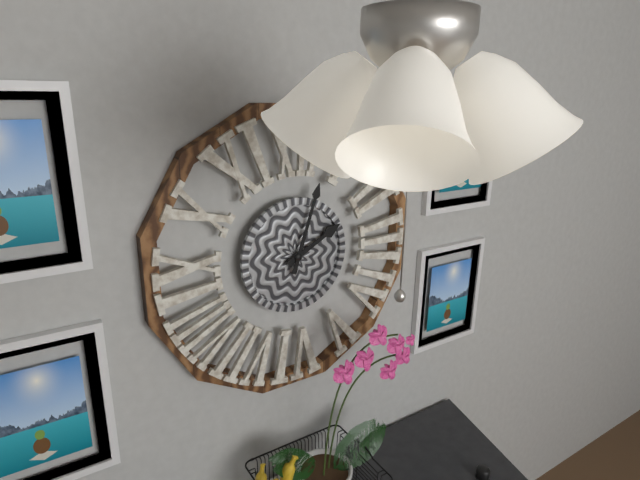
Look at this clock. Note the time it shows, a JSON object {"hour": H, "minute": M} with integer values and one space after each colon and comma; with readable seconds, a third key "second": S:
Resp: {"hour": 2, "minute": 3}
